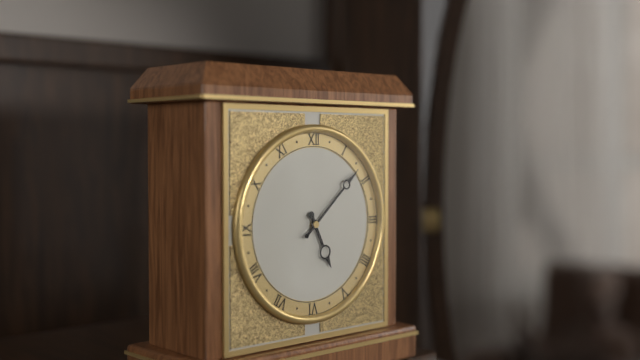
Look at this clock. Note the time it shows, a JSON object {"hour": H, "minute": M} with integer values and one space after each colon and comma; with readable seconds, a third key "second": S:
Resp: {"hour": 5, "minute": 8}
